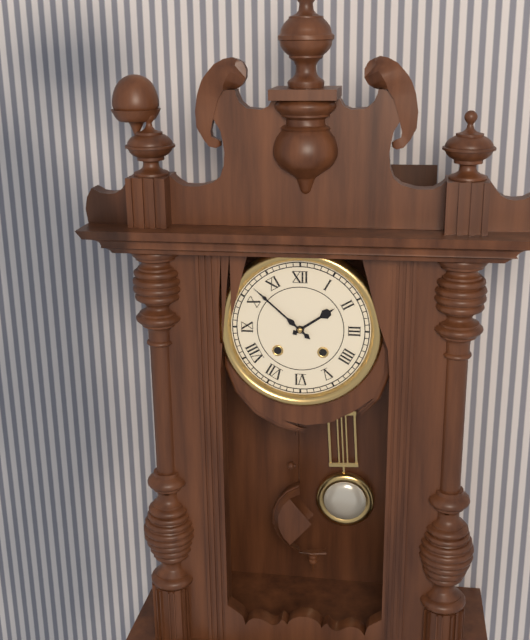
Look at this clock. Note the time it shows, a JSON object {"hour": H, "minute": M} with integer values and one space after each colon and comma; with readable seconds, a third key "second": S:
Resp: {"hour": 1, "minute": 52}
